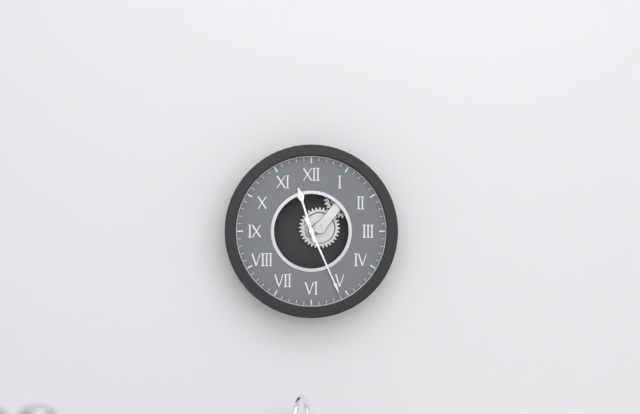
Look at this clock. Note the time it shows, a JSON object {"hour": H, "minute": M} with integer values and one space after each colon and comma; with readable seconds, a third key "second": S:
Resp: {"hour": 11, "minute": 26}
